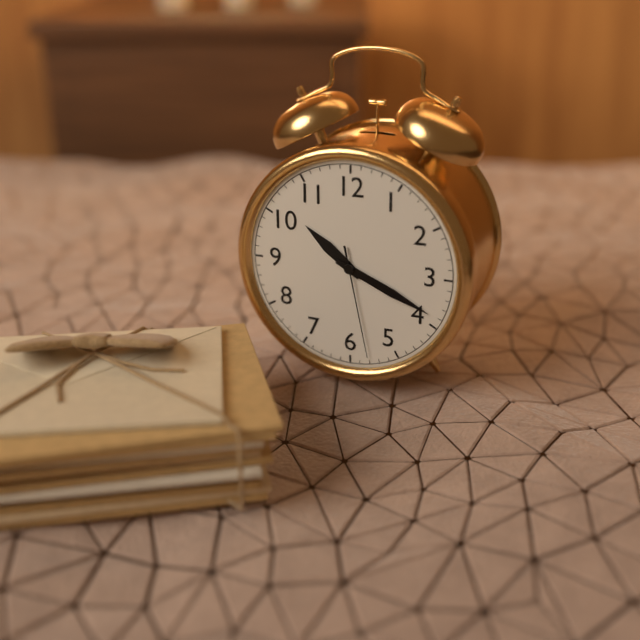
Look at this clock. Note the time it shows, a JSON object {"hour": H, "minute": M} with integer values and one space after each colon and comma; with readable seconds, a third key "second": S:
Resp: {"hour": 10, "minute": 19, "second": 28}
